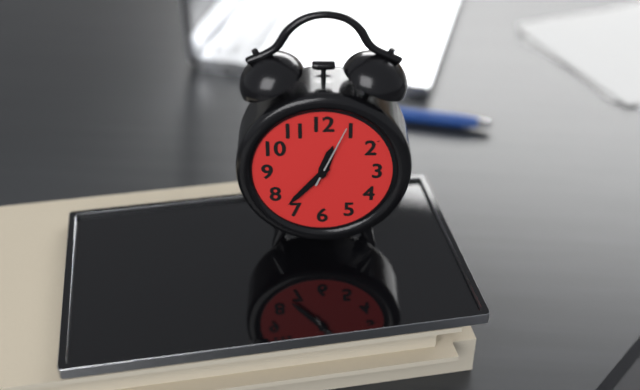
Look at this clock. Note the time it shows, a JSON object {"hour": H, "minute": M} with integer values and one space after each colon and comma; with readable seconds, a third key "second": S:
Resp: {"hour": 12, "minute": 37, "second": 4}
